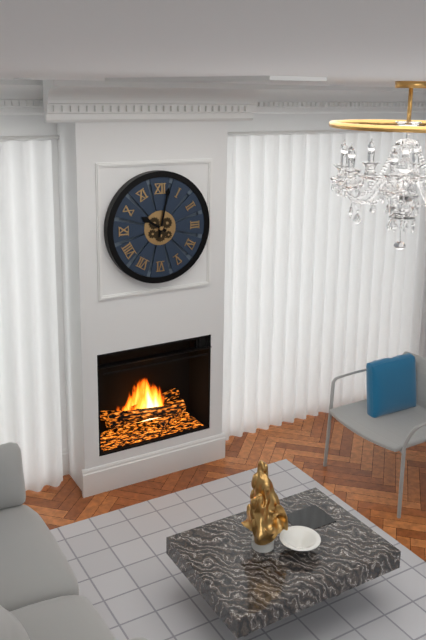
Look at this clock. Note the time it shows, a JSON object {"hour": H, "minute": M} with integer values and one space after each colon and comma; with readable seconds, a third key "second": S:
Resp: {"hour": 10, "minute": 2}
